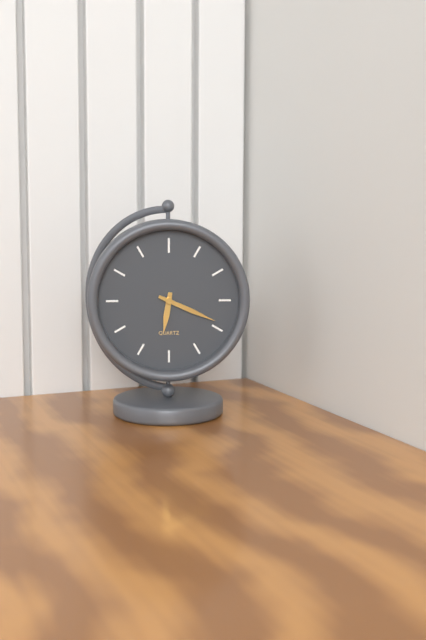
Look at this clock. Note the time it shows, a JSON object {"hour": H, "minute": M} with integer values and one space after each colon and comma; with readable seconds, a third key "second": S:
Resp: {"hour": 6, "minute": 19}
